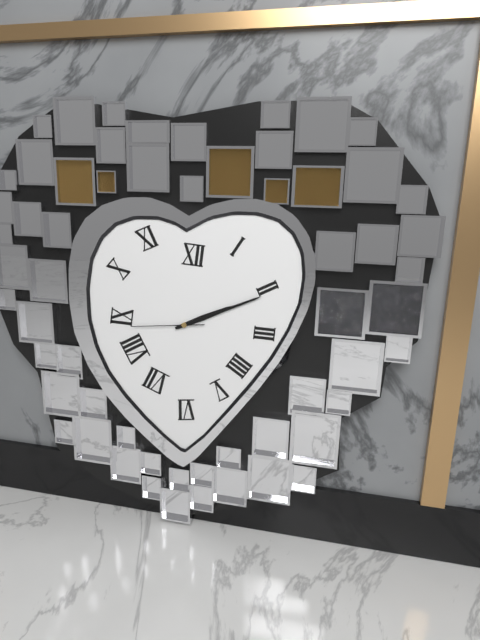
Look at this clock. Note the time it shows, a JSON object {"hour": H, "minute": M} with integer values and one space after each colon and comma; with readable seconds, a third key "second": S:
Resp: {"hour": 2, "minute": 11, "second": 44}
